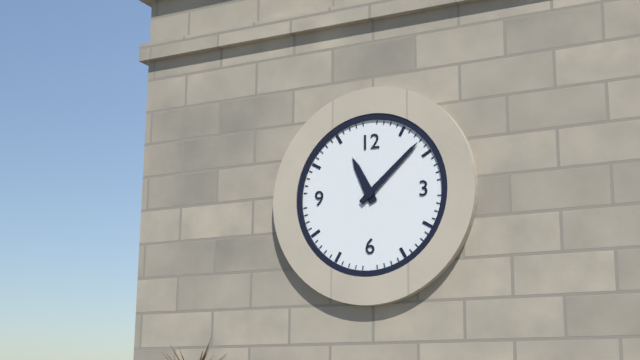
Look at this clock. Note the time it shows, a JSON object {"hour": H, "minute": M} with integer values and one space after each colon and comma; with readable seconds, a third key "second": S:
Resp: {"hour": 11, "minute": 8}
